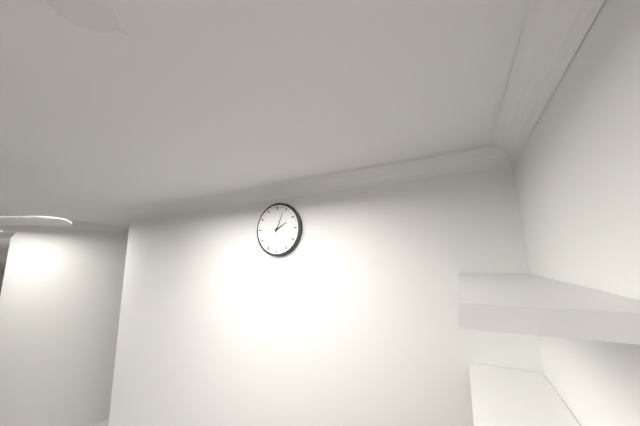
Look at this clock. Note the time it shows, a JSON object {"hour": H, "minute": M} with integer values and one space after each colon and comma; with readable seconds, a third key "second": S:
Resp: {"hour": 2, "minute": 4}
